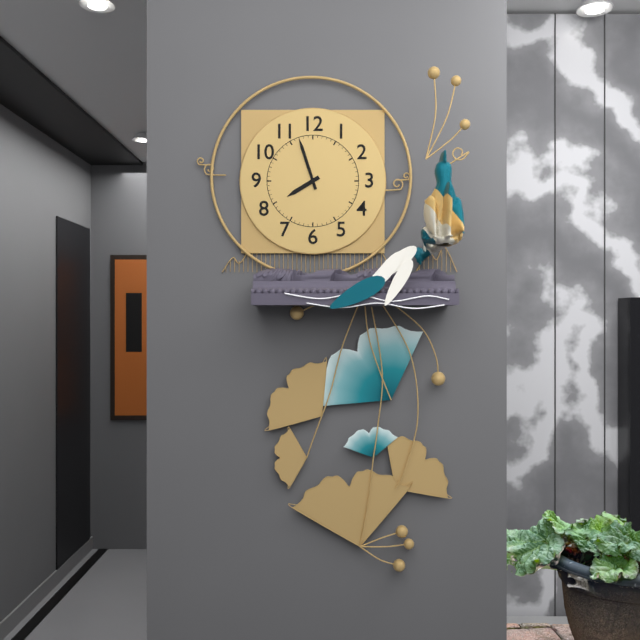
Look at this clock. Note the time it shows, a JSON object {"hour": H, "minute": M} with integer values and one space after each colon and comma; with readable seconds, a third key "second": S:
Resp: {"hour": 7, "minute": 57}
